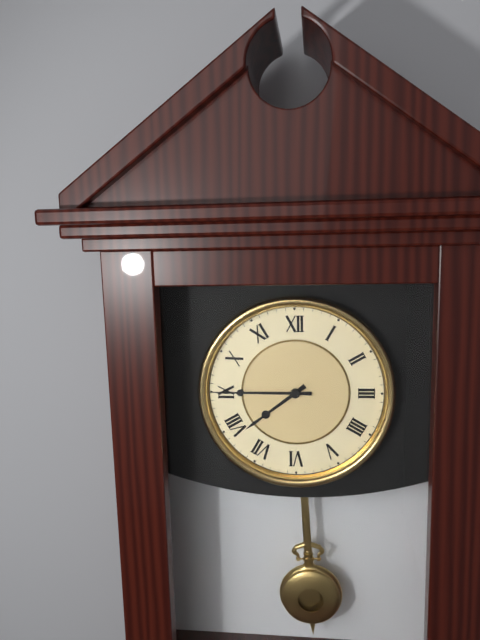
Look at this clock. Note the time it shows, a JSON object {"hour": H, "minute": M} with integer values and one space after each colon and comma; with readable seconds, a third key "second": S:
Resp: {"hour": 7, "minute": 45}
